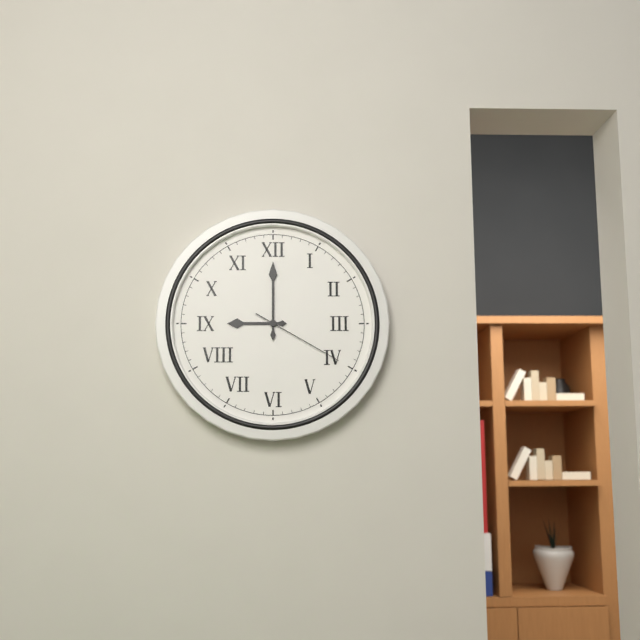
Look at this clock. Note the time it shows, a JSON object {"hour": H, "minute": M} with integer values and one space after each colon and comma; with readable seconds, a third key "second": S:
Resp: {"hour": 9, "minute": 0, "second": 20}
